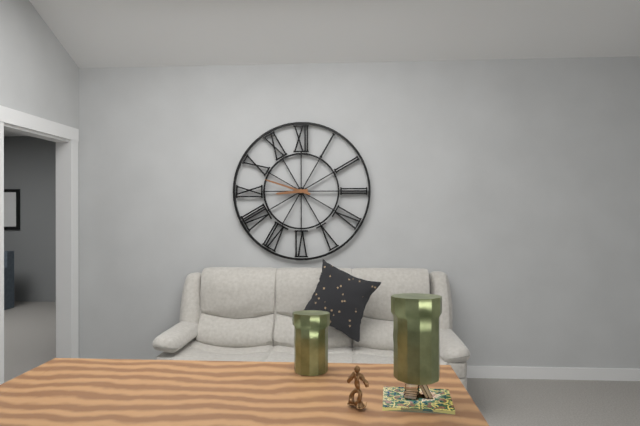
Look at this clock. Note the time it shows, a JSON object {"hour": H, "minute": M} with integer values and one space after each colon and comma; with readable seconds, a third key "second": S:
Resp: {"hour": 8, "minute": 48}
